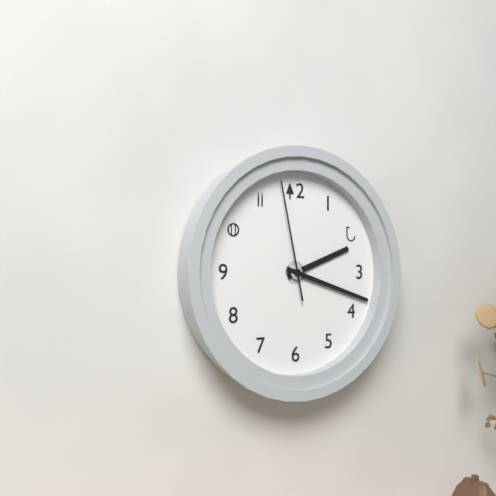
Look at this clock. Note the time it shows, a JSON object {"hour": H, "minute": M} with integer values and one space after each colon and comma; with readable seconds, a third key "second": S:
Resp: {"hour": 2, "minute": 18, "second": 58}
